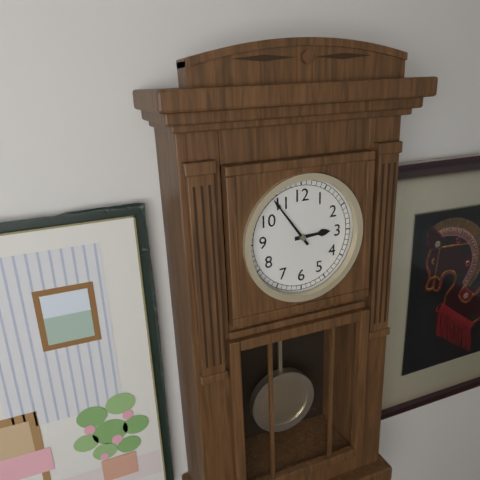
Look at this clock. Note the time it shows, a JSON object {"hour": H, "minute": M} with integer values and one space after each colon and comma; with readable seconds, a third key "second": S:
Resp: {"hour": 2, "minute": 54}
